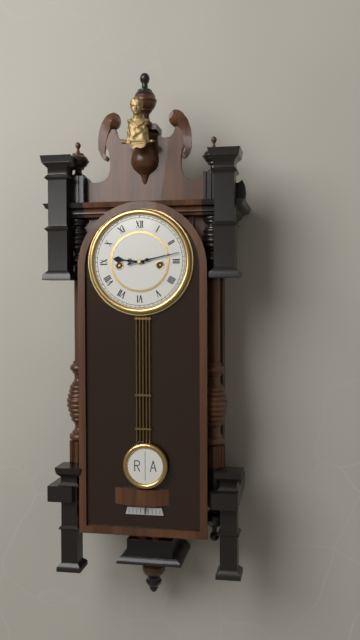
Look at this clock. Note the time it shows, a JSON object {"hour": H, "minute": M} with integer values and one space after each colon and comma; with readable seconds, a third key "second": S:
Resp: {"hour": 9, "minute": 13}
